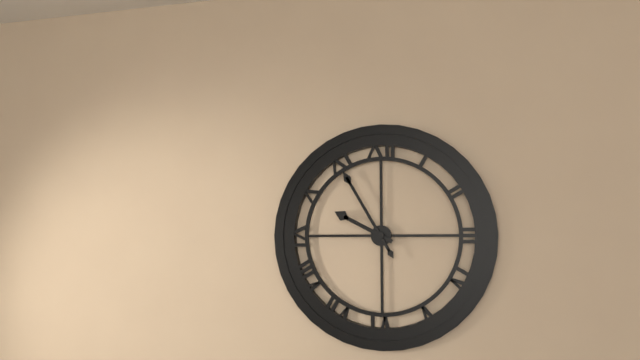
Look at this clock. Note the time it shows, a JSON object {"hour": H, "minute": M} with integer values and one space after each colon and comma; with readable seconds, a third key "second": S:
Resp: {"hour": 9, "minute": 55}
